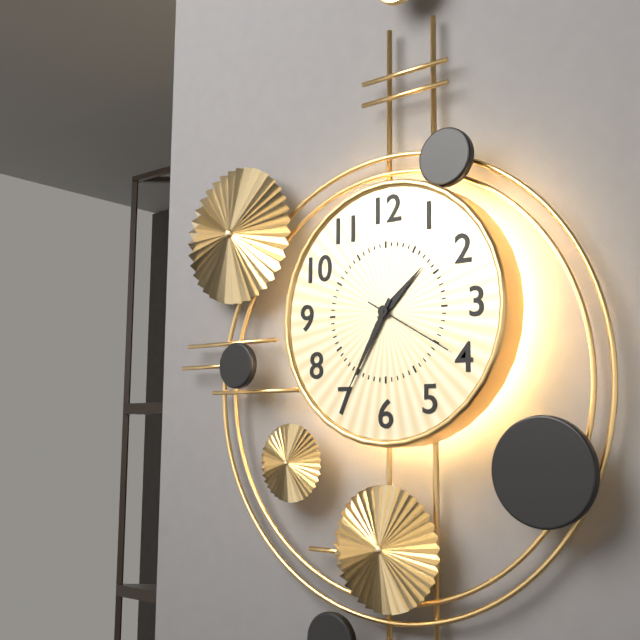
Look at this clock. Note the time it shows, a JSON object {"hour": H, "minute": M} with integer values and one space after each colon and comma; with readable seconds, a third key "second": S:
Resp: {"hour": 1, "minute": 35, "second": 20}
